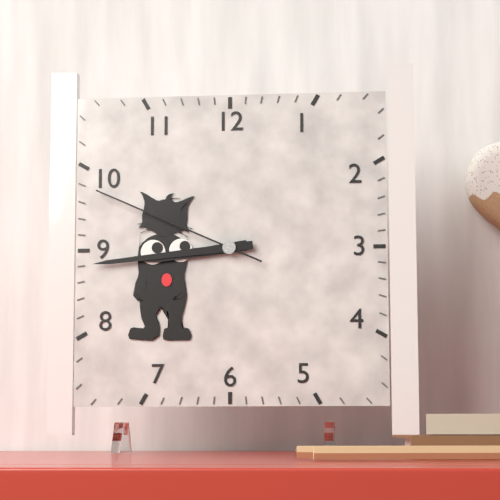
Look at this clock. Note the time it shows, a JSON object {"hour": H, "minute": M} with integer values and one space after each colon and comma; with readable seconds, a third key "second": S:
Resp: {"hour": 8, "minute": 44, "second": 49}
